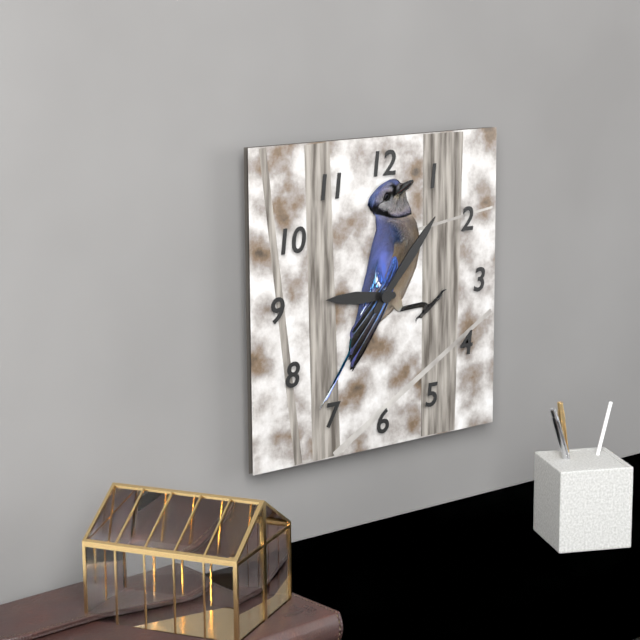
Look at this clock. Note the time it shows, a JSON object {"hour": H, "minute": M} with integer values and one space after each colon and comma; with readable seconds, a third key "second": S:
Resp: {"hour": 9, "minute": 7}
